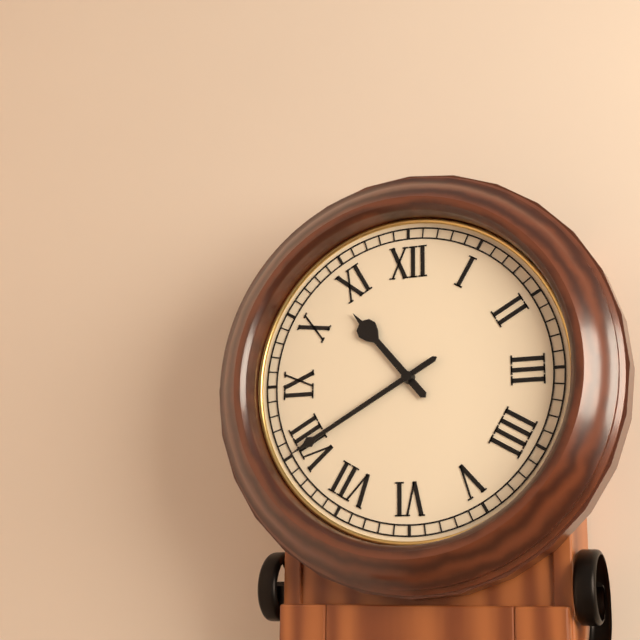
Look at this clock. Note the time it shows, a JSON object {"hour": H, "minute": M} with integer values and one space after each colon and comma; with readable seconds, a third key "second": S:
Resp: {"hour": 10, "minute": 40}
